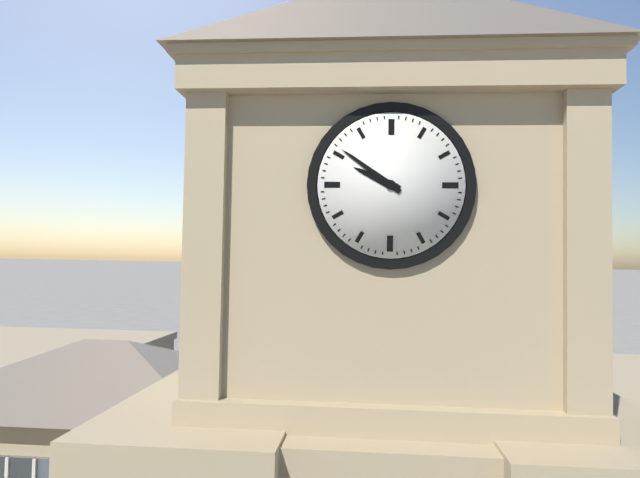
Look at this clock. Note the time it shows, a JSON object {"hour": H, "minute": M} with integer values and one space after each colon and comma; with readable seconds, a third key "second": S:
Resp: {"hour": 9, "minute": 51}
